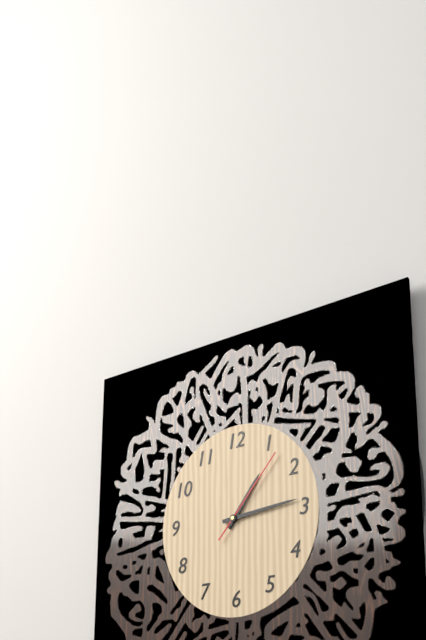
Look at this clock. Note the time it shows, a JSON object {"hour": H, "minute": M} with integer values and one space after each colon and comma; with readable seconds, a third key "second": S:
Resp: {"hour": 1, "minute": 14, "second": 7}
